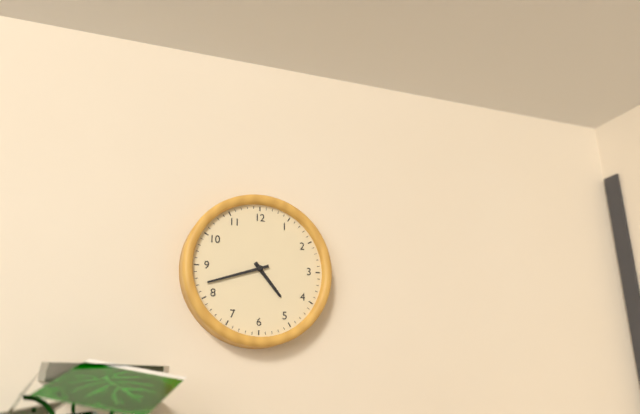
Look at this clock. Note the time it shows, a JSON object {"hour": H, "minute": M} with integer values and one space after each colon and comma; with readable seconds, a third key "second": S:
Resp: {"hour": 4, "minute": 42}
